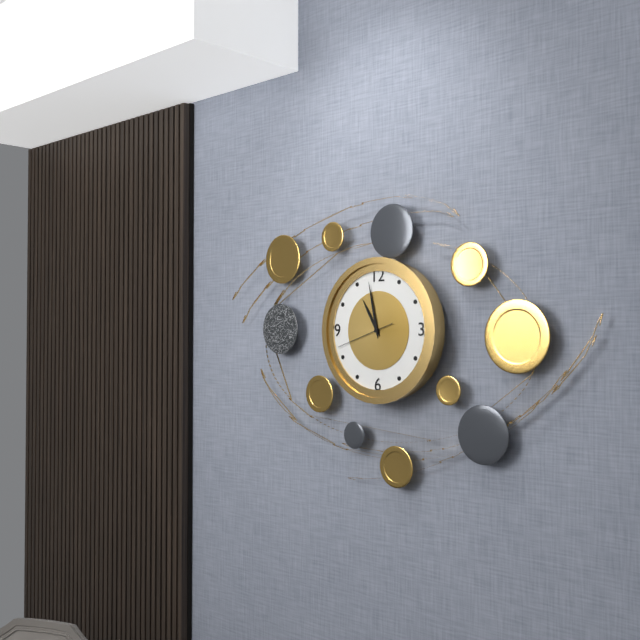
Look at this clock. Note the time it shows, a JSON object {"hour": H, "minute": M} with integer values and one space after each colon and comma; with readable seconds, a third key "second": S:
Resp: {"hour": 10, "minute": 58, "second": 42}
